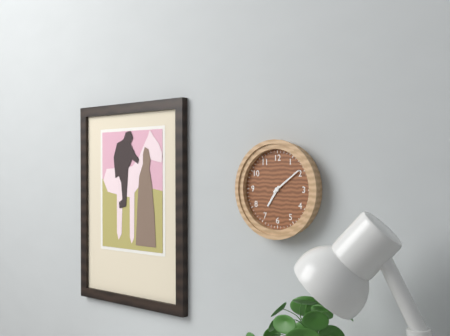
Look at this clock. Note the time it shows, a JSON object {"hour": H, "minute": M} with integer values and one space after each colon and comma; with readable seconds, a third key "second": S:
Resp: {"hour": 7, "minute": 9}
